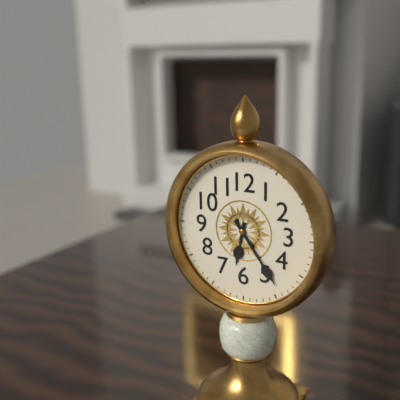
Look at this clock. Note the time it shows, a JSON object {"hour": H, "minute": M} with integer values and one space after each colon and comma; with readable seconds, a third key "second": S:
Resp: {"hour": 6, "minute": 24}
